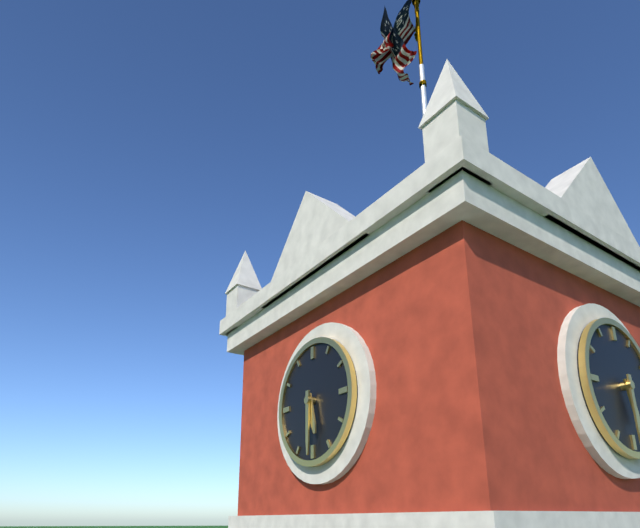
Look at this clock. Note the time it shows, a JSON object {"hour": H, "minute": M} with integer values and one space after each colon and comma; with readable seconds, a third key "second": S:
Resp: {"hour": 5, "minute": 30}
